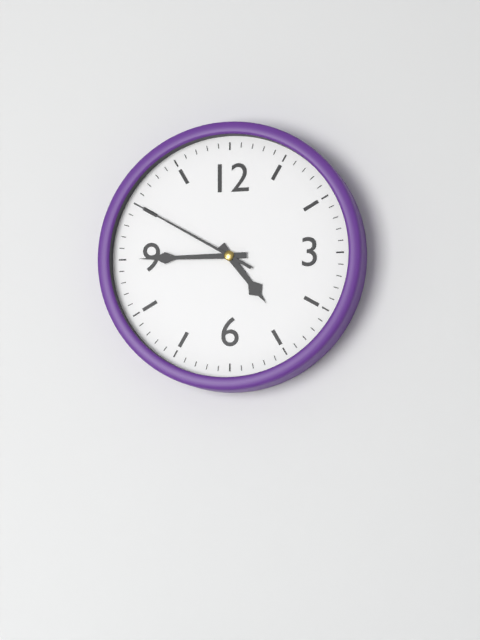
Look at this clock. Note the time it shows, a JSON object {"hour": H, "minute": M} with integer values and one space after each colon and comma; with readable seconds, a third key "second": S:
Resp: {"hour": 4, "minute": 45, "second": 50}
